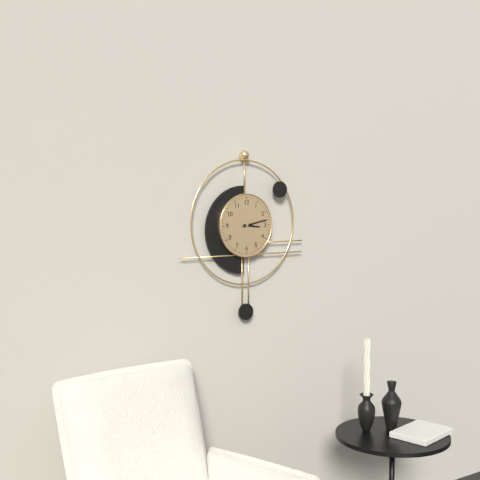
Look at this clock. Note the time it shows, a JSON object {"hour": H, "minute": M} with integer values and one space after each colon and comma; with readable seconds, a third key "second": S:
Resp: {"hour": 3, "minute": 13}
